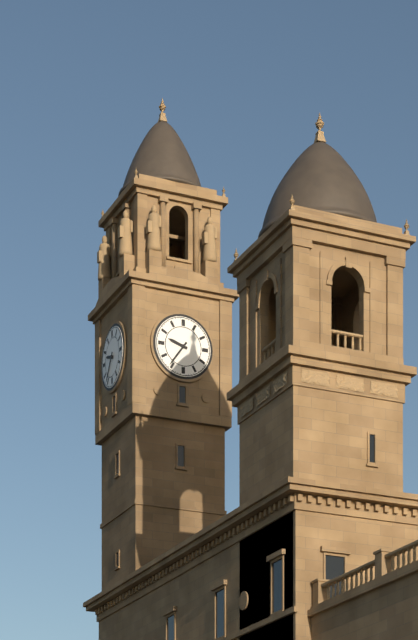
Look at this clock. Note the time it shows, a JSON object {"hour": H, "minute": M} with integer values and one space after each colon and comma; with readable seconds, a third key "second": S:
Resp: {"hour": 9, "minute": 36}
